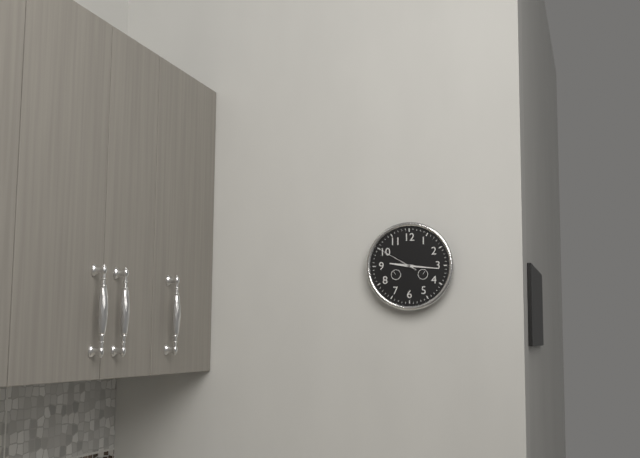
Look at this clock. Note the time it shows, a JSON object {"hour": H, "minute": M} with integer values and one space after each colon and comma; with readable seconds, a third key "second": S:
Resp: {"hour": 9, "minute": 16}
